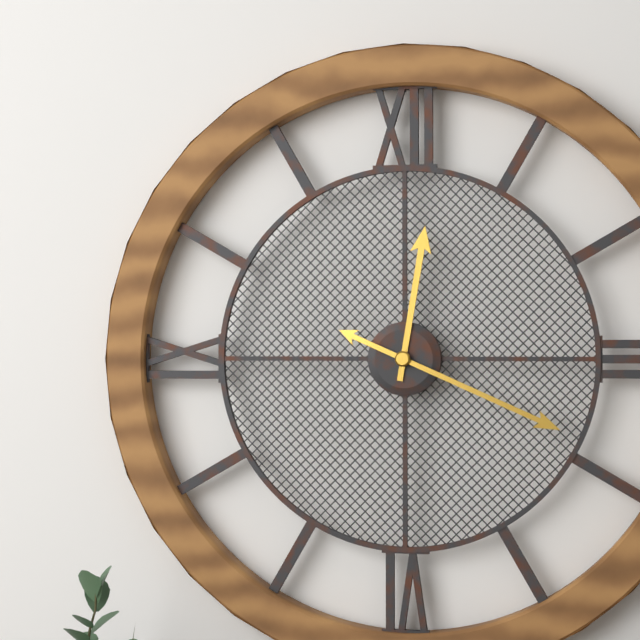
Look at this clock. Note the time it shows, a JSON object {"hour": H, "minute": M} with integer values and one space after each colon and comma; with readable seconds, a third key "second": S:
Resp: {"hour": 12, "minute": 19}
